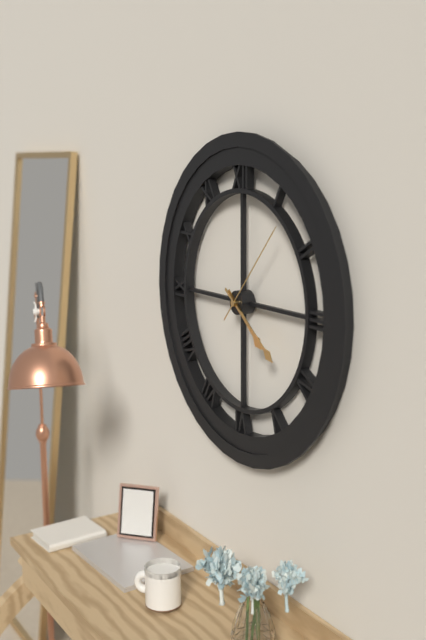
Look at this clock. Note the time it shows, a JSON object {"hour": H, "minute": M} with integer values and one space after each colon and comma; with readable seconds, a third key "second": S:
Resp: {"hour": 4, "minute": 21, "second": 7}
